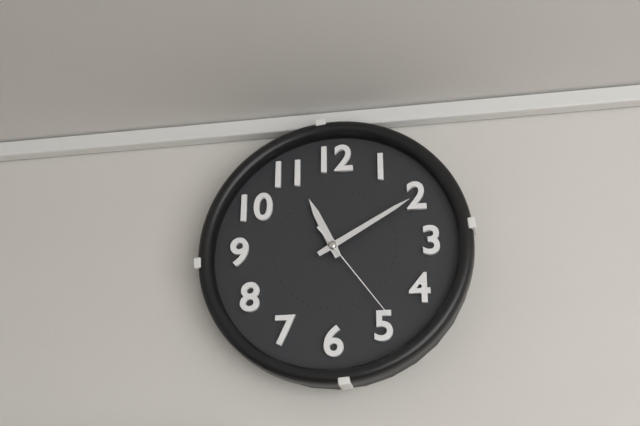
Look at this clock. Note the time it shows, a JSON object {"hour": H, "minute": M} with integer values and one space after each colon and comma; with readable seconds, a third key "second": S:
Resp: {"hour": 11, "minute": 10, "second": 24}
